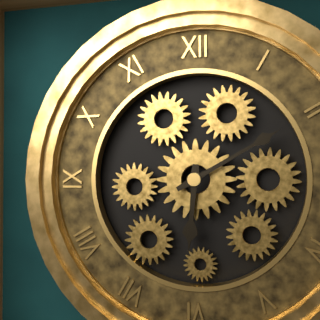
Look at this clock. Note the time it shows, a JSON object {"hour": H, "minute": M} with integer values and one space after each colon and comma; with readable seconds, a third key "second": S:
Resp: {"hour": 6, "minute": 10}
